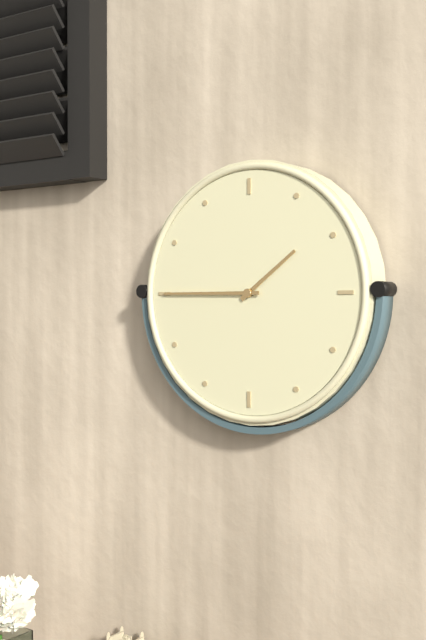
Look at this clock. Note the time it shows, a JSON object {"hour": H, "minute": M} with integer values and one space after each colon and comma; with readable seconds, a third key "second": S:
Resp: {"hour": 1, "minute": 45}
